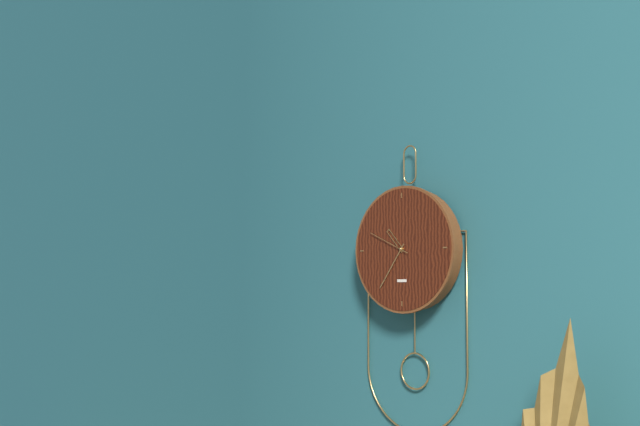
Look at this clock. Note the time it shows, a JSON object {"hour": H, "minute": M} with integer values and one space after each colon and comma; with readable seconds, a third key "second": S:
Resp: {"hour": 10, "minute": 36}
